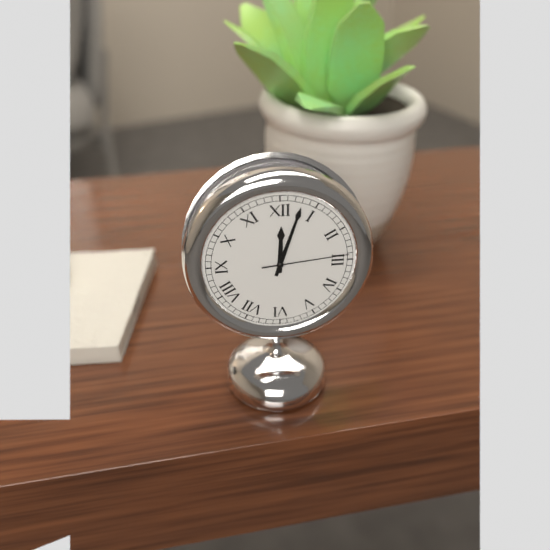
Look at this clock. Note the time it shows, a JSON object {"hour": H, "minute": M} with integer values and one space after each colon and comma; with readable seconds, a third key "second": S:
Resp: {"hour": 12, "minute": 3, "second": 14}
